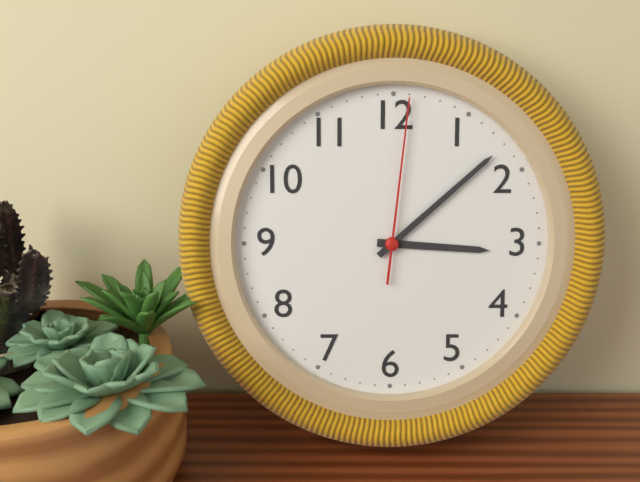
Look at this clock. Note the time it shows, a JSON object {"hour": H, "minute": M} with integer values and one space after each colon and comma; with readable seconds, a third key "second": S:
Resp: {"hour": 3, "minute": 8, "second": 1}
